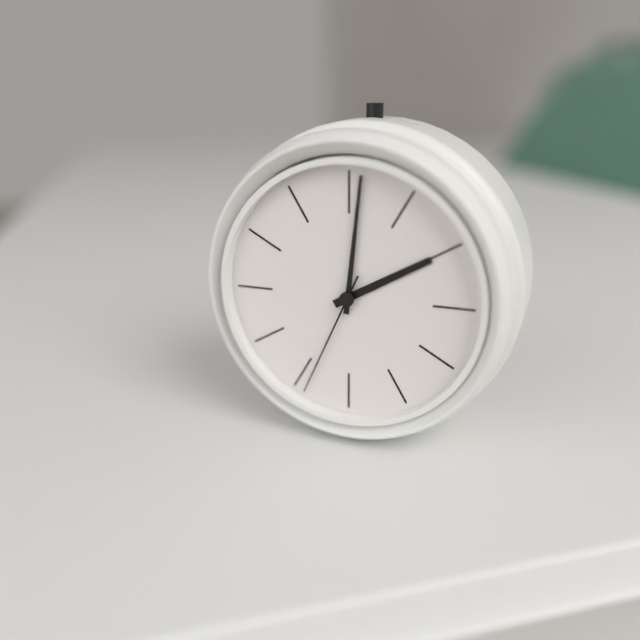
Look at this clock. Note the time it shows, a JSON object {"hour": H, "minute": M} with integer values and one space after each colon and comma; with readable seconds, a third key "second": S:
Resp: {"hour": 2, "minute": 1, "second": 34}
